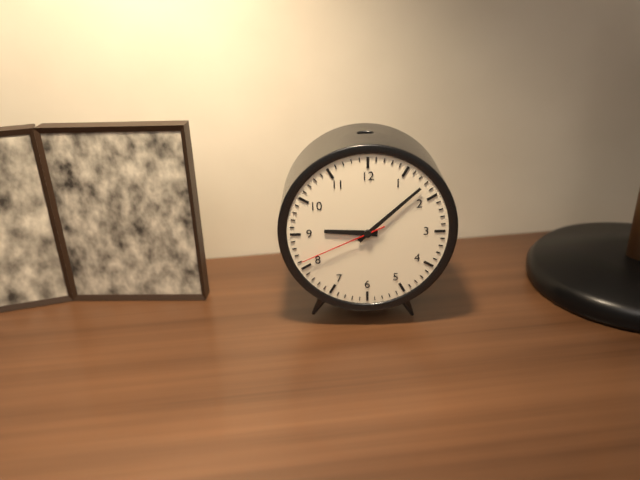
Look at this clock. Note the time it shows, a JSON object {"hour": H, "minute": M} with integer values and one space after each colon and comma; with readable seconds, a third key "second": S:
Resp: {"hour": 9, "minute": 8, "second": 41}
